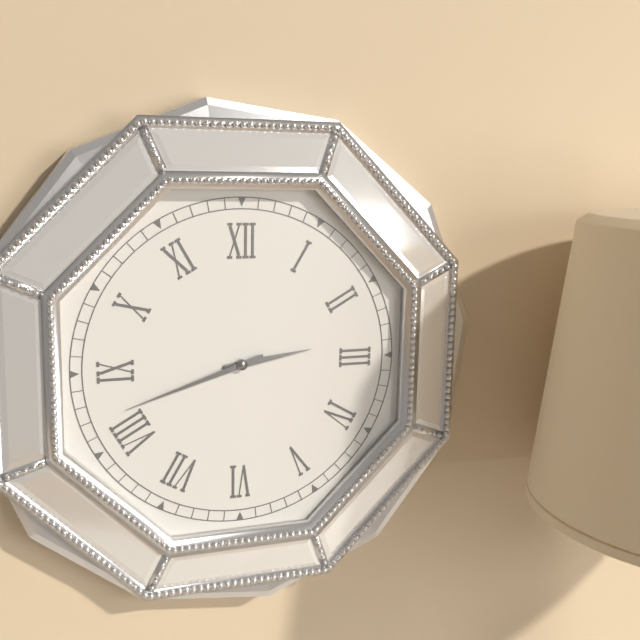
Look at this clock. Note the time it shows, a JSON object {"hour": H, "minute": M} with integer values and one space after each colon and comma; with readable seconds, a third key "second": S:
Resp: {"hour": 2, "minute": 42}
